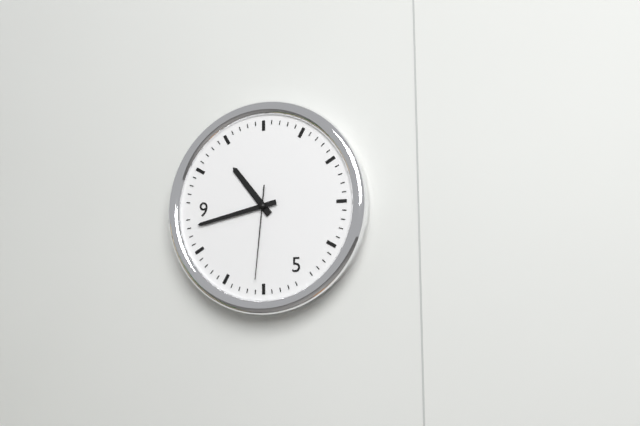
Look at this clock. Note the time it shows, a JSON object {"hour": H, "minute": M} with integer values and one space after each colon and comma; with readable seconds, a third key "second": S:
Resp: {"hour": 10, "minute": 43, "second": 31}
